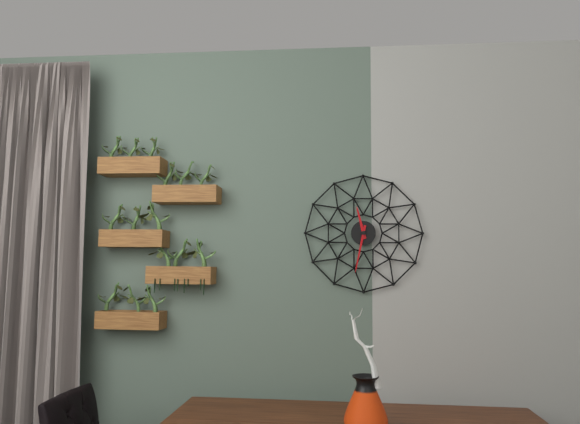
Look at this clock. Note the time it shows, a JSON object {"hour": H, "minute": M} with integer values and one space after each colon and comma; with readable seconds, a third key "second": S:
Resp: {"hour": 11, "minute": 32}
